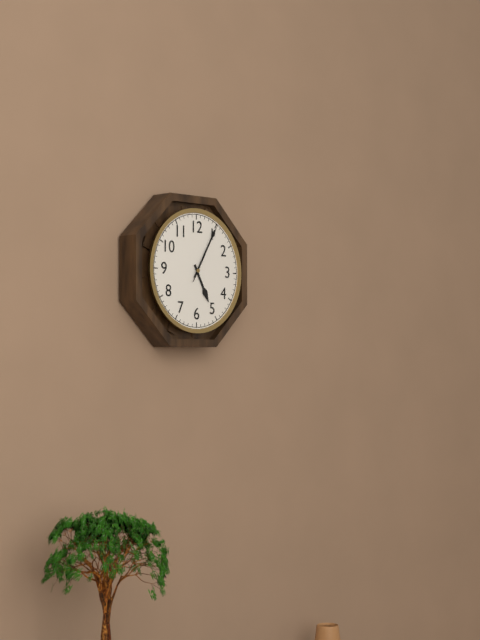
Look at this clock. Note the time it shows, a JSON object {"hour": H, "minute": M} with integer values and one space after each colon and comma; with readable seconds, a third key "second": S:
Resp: {"hour": 5, "minute": 5, "second": 5}
